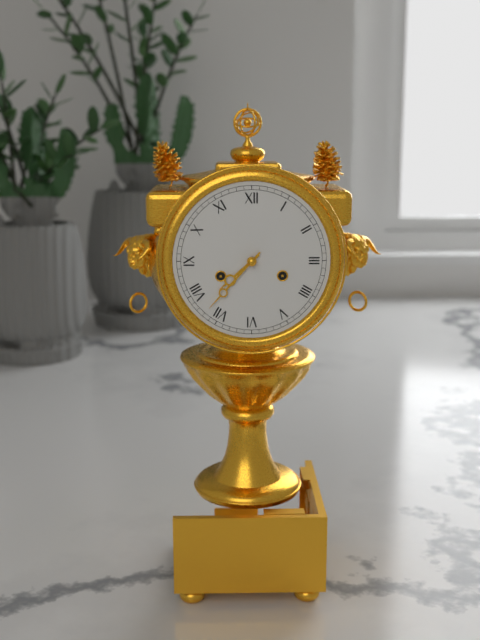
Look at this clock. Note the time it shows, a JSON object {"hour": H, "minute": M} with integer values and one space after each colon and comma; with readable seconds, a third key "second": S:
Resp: {"hour": 7, "minute": 37}
